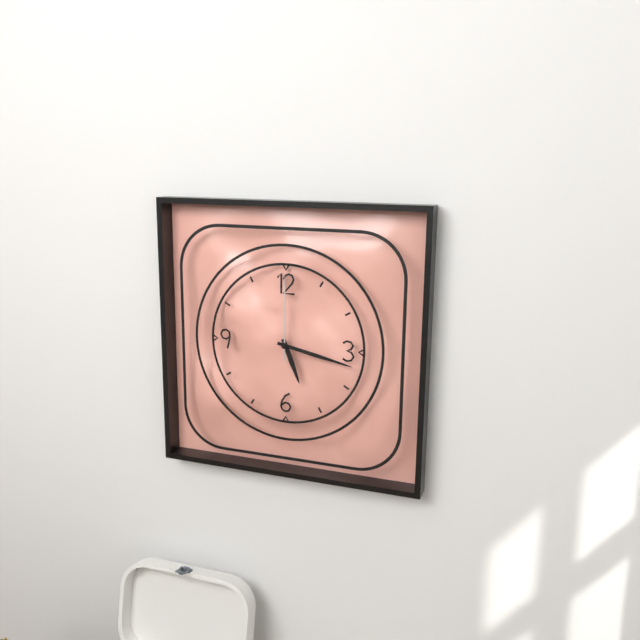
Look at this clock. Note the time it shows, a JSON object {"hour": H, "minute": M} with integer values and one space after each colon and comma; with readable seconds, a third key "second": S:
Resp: {"hour": 5, "minute": 17, "second": 0}
